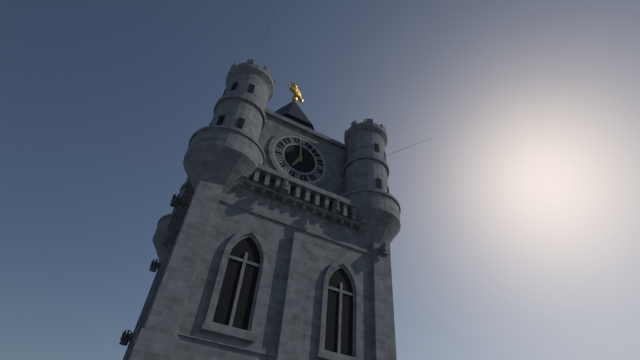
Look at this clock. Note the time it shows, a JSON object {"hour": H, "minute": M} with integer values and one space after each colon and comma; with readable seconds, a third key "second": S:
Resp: {"hour": 6, "minute": 59}
